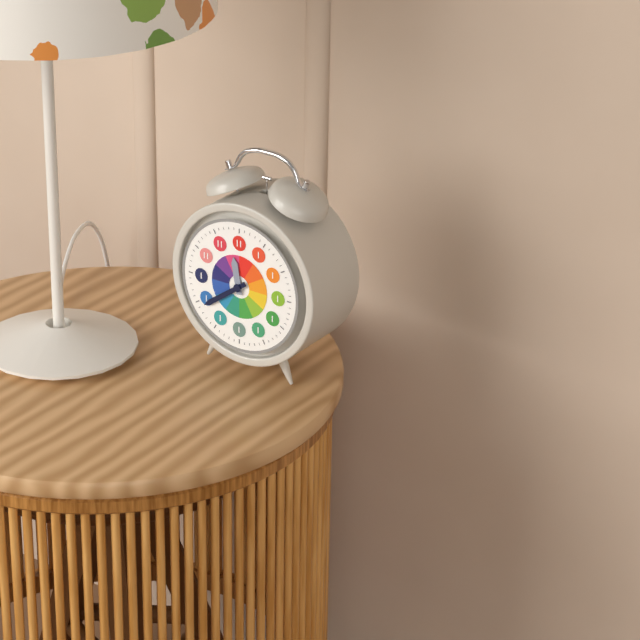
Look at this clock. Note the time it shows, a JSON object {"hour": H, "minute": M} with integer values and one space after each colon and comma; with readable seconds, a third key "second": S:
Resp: {"hour": 11, "minute": 39}
